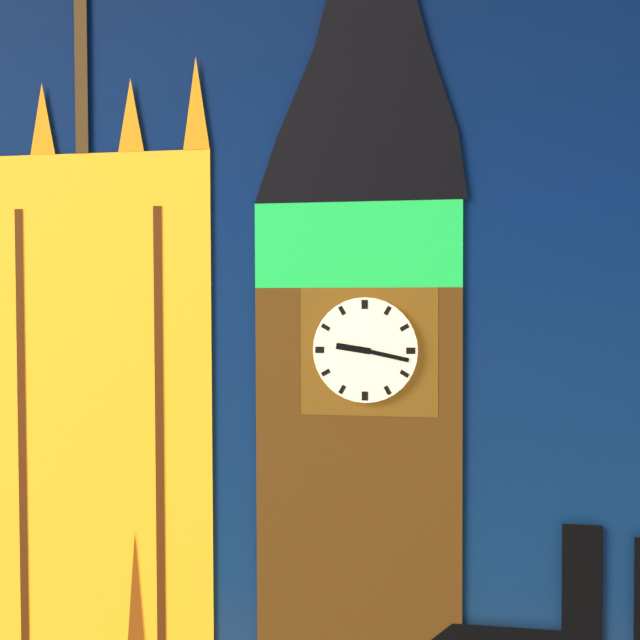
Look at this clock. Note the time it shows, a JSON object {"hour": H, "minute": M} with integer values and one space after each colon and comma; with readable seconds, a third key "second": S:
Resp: {"hour": 9, "minute": 17}
